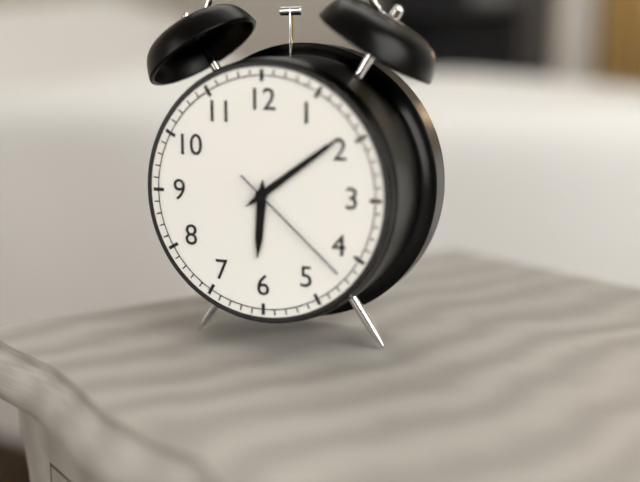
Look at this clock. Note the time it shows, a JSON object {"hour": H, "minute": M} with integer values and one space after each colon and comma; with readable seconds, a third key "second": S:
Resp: {"hour": 6, "minute": 9, "second": 22}
